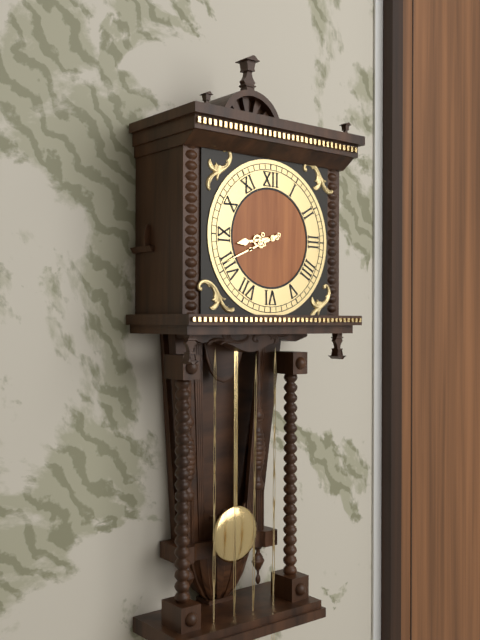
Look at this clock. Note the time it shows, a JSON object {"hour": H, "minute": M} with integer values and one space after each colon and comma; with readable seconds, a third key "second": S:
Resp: {"hour": 8, "minute": 41}
